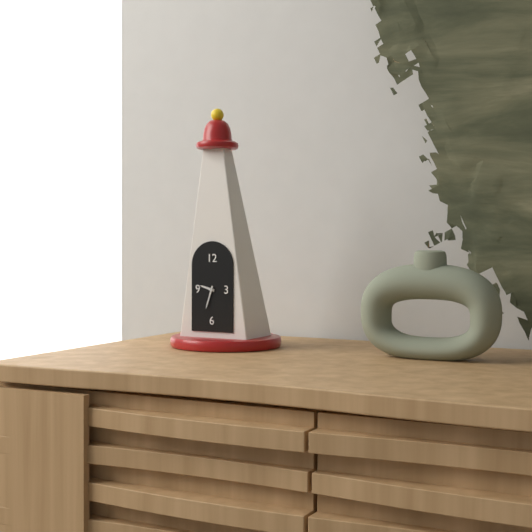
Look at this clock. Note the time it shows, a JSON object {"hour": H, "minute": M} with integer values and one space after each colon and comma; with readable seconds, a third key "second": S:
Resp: {"hour": 9, "minute": 33}
